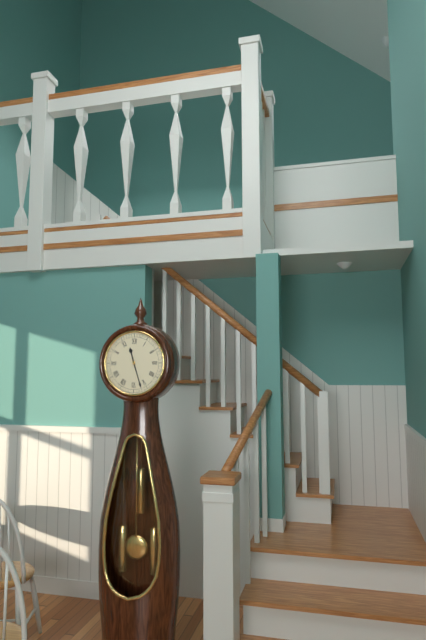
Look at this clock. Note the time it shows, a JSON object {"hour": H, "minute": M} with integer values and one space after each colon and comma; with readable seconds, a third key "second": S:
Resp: {"hour": 11, "minute": 27}
